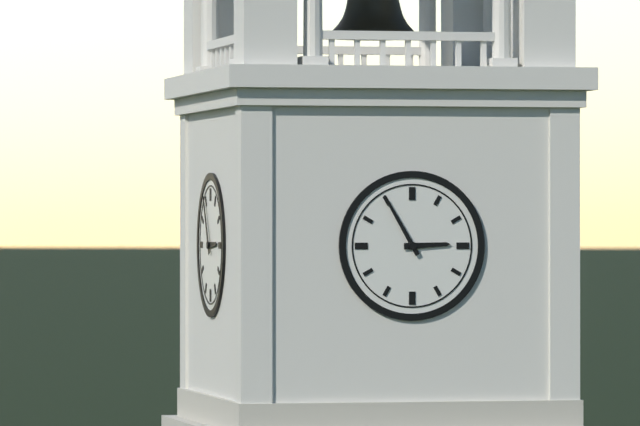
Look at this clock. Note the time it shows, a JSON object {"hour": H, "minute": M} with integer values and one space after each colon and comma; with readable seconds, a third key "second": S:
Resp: {"hour": 2, "minute": 55}
